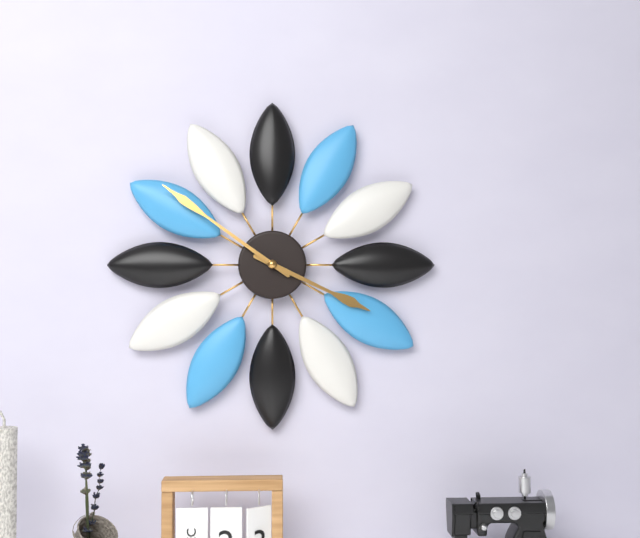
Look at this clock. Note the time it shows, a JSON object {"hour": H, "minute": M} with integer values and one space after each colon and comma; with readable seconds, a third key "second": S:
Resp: {"hour": 3, "minute": 51}
